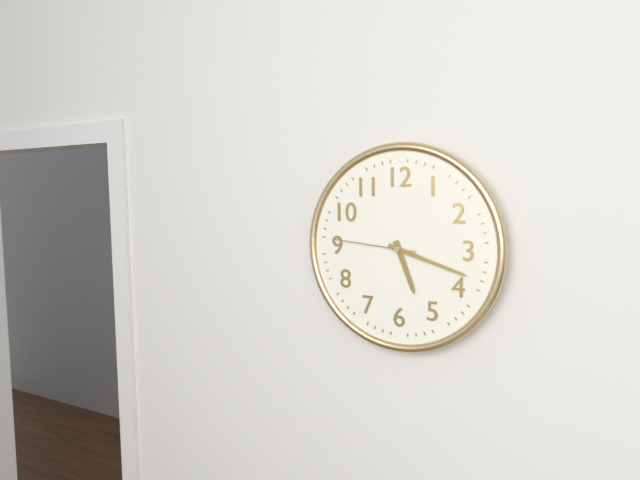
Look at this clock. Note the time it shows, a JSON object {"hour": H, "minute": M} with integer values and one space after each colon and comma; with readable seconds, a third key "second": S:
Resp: {"hour": 5, "minute": 18, "second": 46}
